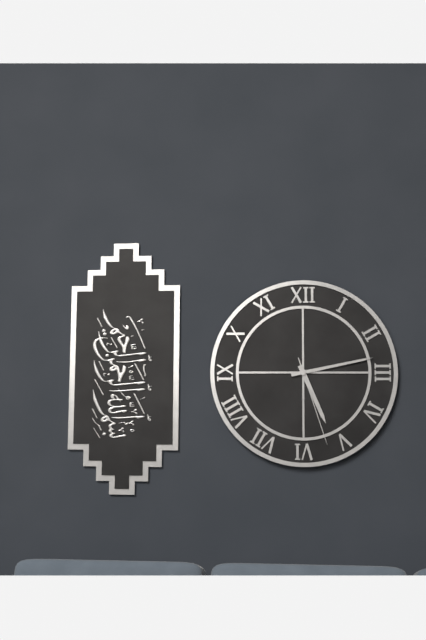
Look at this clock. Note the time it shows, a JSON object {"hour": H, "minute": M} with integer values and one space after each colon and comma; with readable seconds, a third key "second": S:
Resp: {"hour": 5, "minute": 13, "second": 27}
